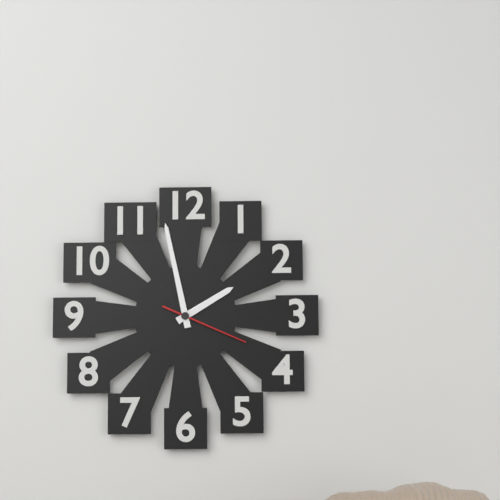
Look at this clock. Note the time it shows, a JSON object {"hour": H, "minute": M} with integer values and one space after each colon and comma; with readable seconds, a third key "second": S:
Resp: {"hour": 1, "minute": 58, "second": 19}
